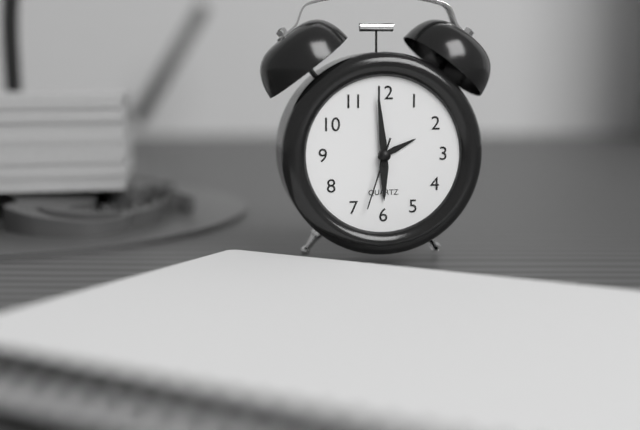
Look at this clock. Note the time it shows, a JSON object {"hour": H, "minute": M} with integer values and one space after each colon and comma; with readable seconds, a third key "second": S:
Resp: {"hour": 5, "minute": 59, "second": 33}
